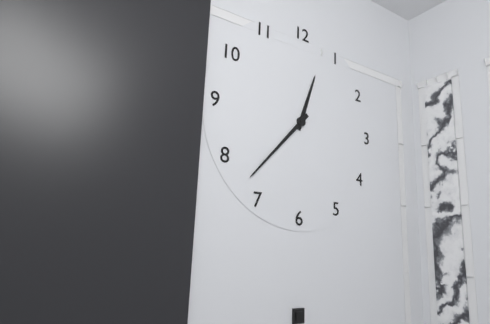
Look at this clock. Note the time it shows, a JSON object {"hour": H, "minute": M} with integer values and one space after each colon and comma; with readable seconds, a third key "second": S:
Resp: {"hour": 12, "minute": 37}
